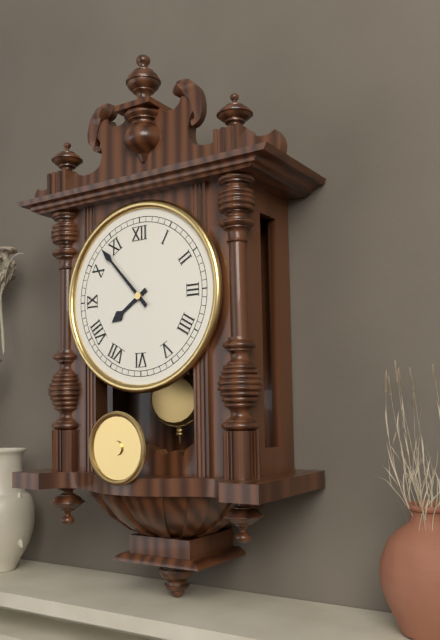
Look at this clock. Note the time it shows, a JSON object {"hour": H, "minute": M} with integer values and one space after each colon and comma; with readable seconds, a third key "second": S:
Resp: {"hour": 7, "minute": 53}
